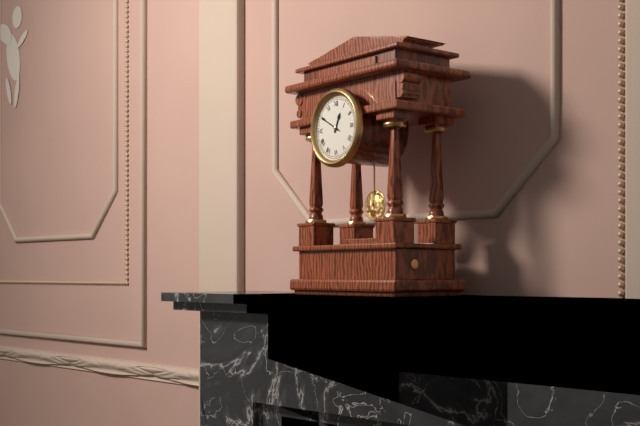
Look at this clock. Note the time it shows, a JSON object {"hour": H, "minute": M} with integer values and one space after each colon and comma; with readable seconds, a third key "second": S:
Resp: {"hour": 12, "minute": 50}
